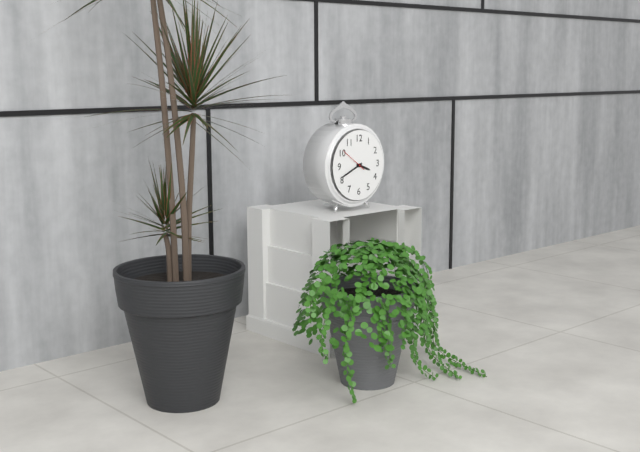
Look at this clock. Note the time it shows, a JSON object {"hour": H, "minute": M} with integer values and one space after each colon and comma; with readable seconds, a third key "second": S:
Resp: {"hour": 3, "minute": 41}
